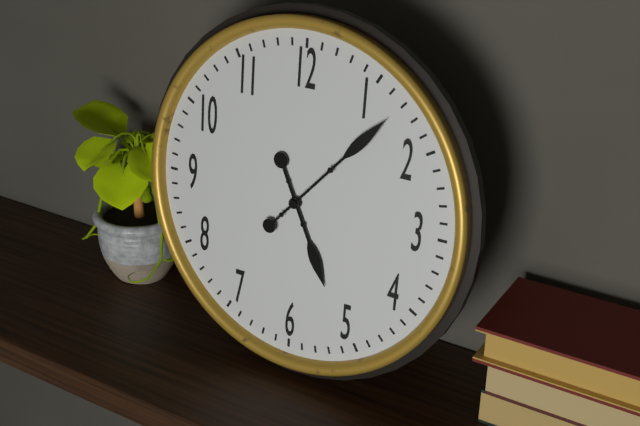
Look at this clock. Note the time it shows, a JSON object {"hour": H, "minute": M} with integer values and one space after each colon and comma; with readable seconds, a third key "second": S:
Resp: {"hour": 5, "minute": 7}
